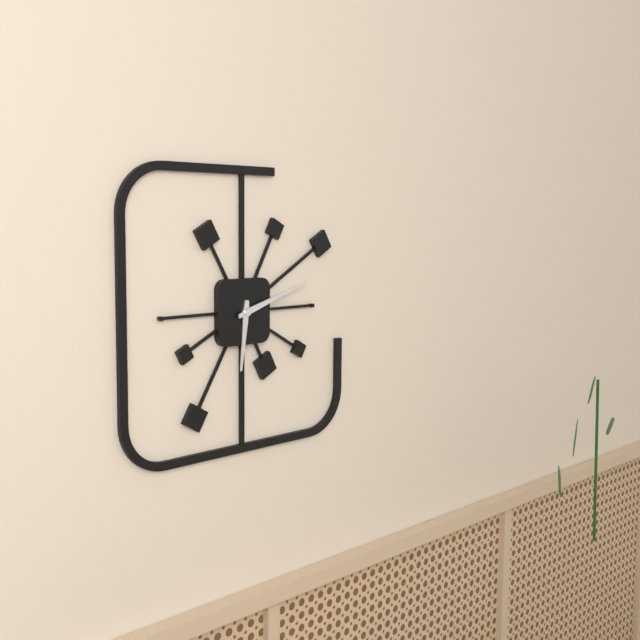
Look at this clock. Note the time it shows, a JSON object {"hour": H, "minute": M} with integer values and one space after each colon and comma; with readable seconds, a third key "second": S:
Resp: {"hour": 6, "minute": 12}
